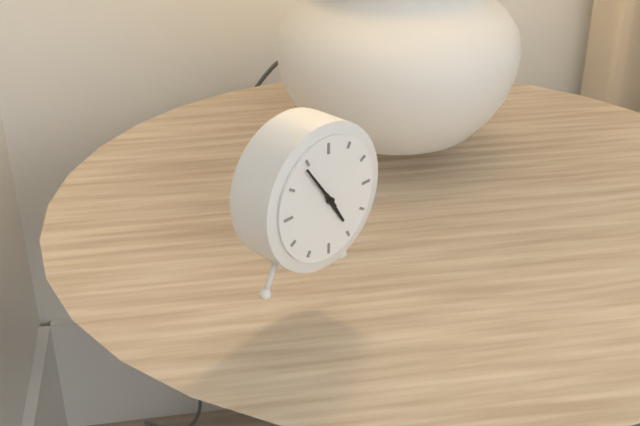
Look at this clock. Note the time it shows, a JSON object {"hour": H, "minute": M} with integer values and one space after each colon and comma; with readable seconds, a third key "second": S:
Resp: {"hour": 4, "minute": 54}
